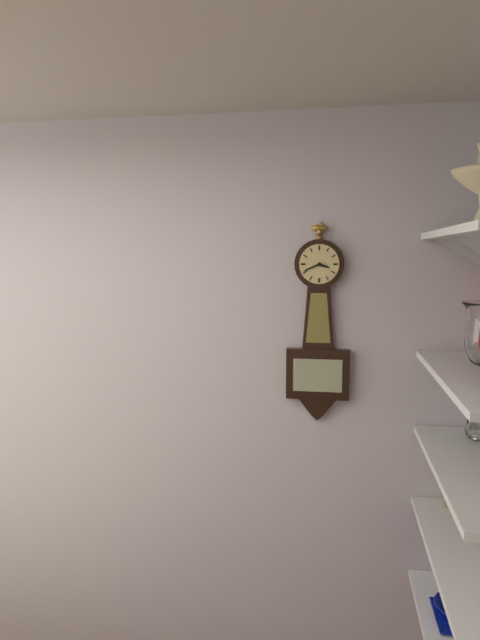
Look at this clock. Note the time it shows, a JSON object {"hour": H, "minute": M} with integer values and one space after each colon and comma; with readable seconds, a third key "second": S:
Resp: {"hour": 3, "minute": 41}
